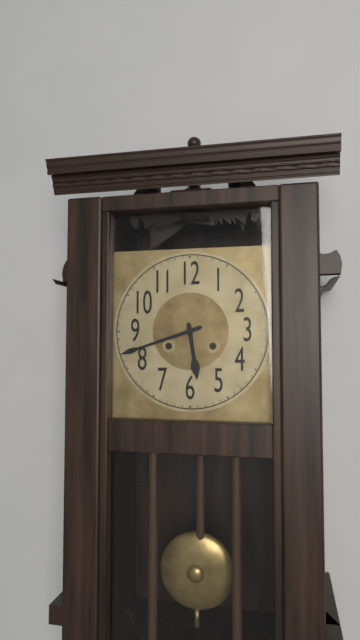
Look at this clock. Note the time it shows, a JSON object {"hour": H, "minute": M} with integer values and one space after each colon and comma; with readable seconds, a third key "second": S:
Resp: {"hour": 5, "minute": 42}
